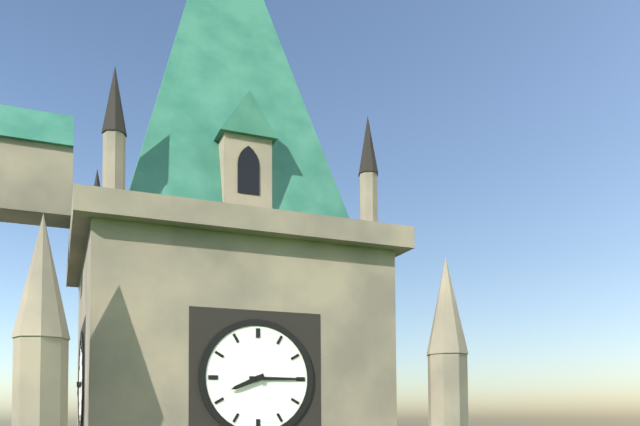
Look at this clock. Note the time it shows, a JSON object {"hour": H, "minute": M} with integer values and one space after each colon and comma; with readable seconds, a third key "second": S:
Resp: {"hour": 8, "minute": 15}
